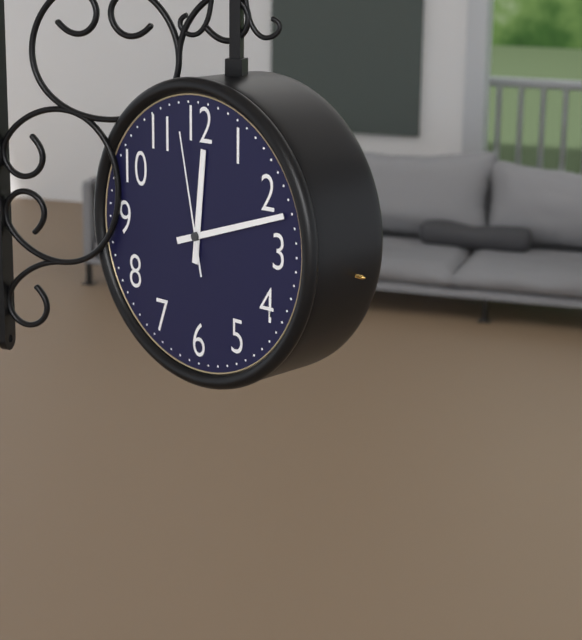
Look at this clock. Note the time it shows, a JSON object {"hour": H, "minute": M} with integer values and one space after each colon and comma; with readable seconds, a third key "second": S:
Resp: {"hour": 12, "minute": 12, "second": 58}
